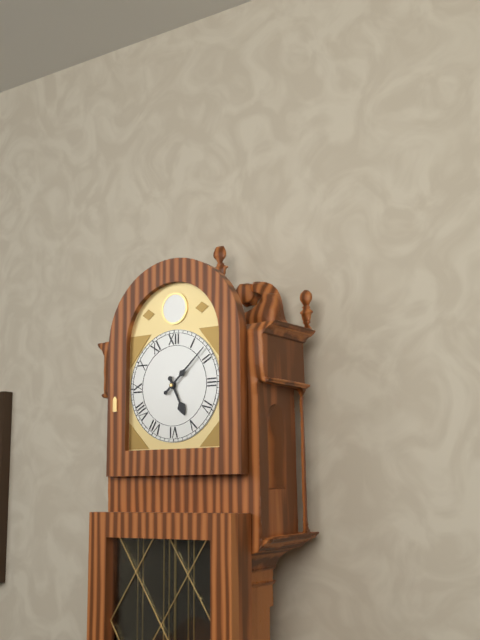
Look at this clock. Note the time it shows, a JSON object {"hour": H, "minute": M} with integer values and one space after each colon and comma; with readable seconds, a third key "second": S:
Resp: {"hour": 5, "minute": 8}
